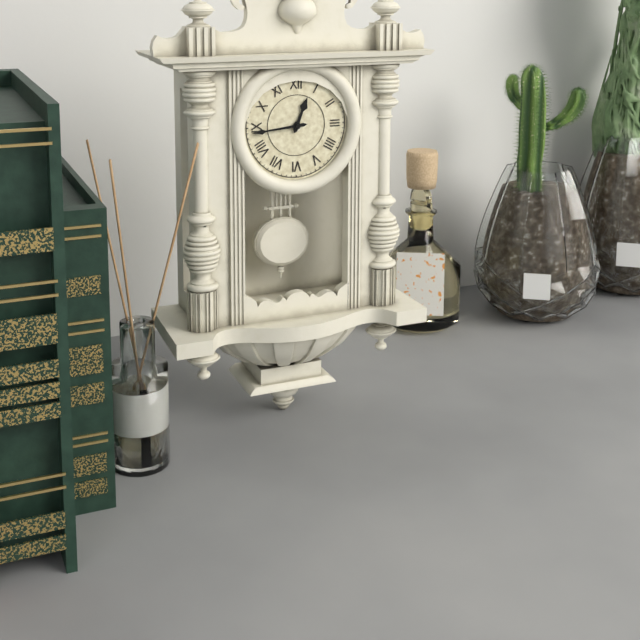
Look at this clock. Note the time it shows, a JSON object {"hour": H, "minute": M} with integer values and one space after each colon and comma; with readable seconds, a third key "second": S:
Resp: {"hour": 12, "minute": 44}
